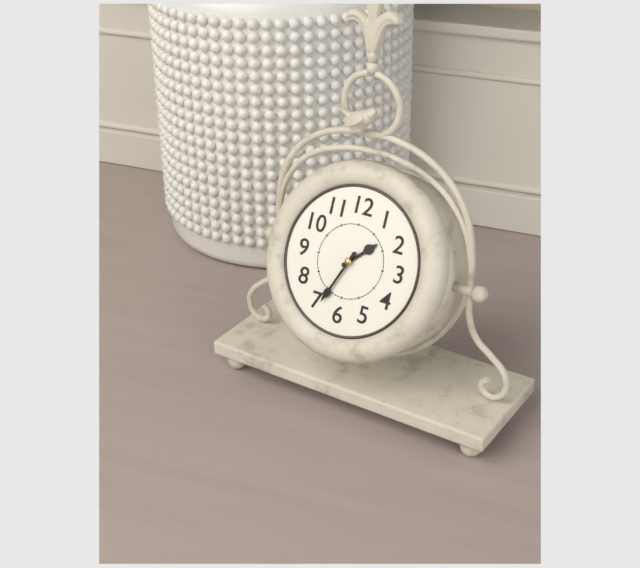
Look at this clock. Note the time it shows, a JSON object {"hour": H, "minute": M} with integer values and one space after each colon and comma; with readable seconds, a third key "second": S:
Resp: {"hour": 1, "minute": 34}
